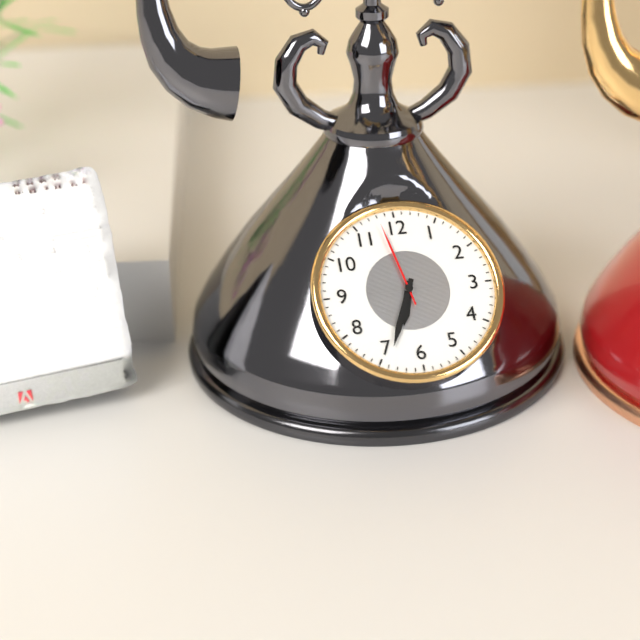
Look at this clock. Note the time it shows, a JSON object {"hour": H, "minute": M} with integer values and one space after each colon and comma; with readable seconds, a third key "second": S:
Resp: {"hour": 6, "minute": 34, "second": 58}
